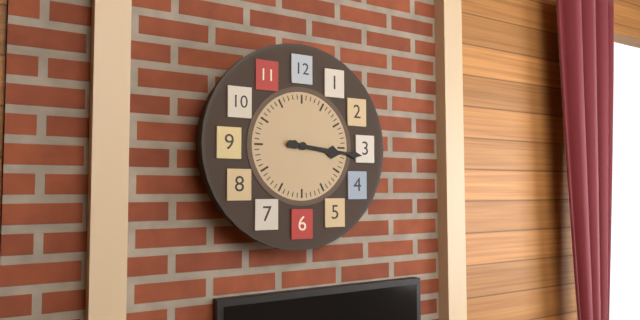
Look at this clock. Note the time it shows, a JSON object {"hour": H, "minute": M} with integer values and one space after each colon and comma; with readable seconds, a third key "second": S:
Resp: {"hour": 3, "minute": 16}
